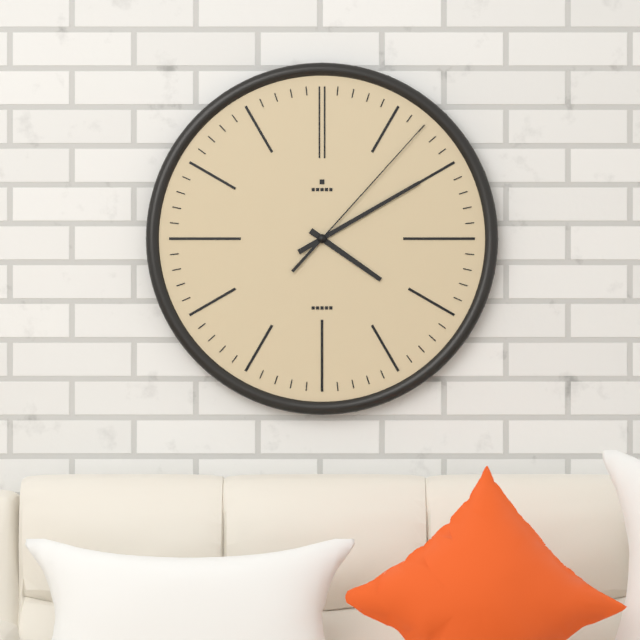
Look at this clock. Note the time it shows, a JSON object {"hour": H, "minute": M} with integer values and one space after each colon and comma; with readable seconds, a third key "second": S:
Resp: {"hour": 4, "minute": 10, "second": 7}
